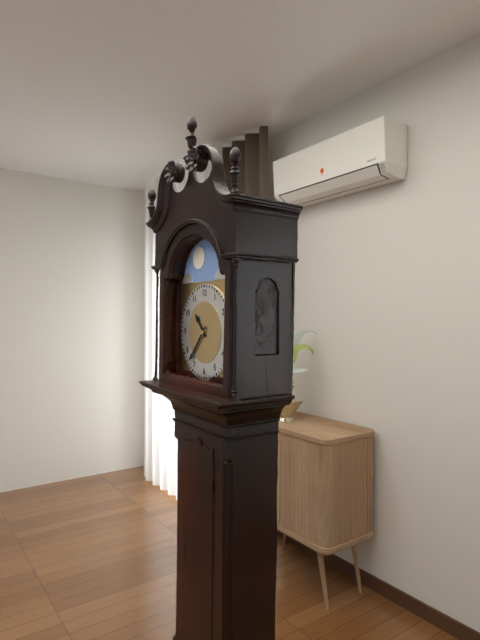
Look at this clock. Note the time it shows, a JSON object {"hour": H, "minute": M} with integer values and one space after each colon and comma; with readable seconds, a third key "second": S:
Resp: {"hour": 10, "minute": 37}
